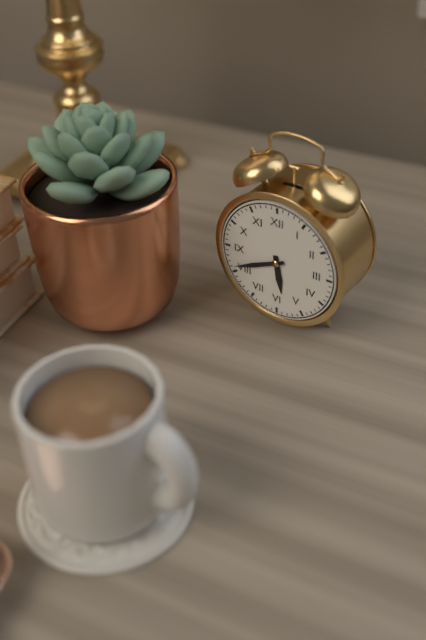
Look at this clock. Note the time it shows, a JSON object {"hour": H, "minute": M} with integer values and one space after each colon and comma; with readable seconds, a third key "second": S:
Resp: {"hour": 5, "minute": 41}
